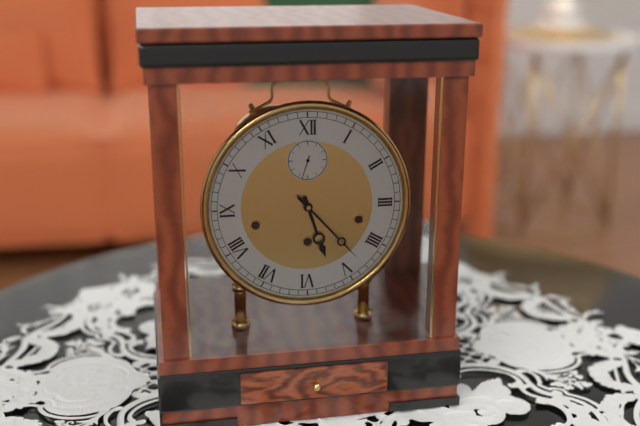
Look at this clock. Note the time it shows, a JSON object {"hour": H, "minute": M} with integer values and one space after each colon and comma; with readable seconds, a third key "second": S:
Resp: {"hour": 5, "minute": 23}
